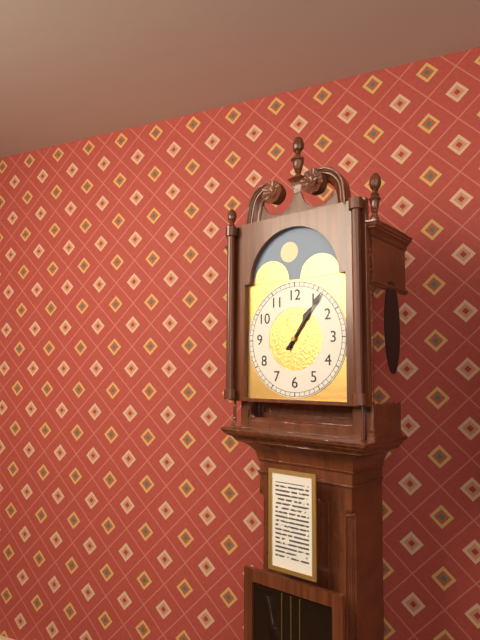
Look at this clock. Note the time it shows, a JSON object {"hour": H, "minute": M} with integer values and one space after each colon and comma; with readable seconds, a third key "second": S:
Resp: {"hour": 1, "minute": 6}
